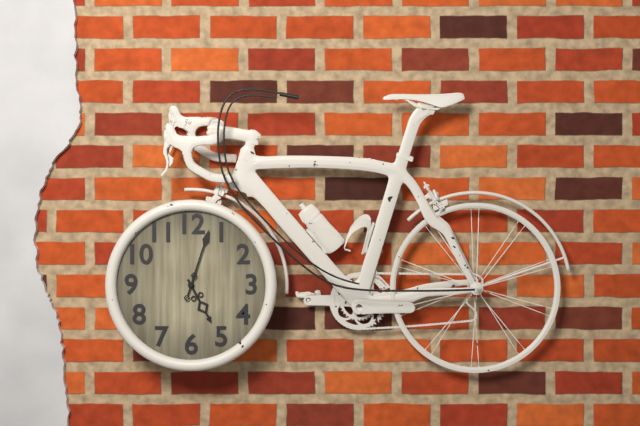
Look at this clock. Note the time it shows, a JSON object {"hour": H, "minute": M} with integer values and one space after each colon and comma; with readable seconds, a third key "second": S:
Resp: {"hour": 5, "minute": 3}
